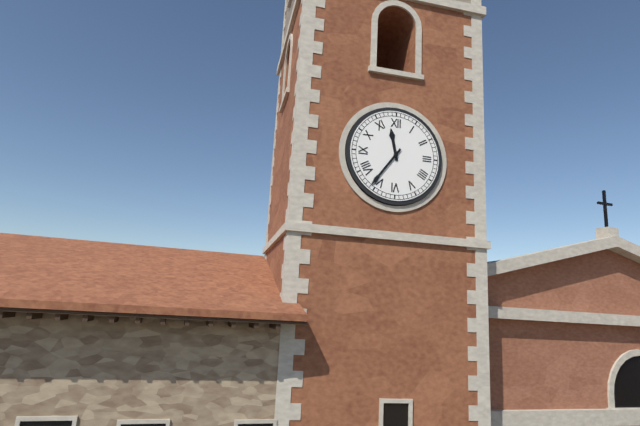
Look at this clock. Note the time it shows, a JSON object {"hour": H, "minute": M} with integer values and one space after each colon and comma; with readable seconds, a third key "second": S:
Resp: {"hour": 11, "minute": 36}
